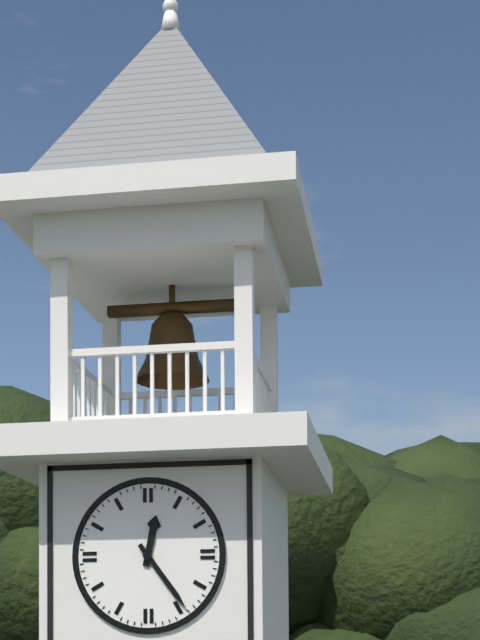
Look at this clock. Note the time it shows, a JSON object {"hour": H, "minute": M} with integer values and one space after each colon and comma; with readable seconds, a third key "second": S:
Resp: {"hour": 12, "minute": 24}
